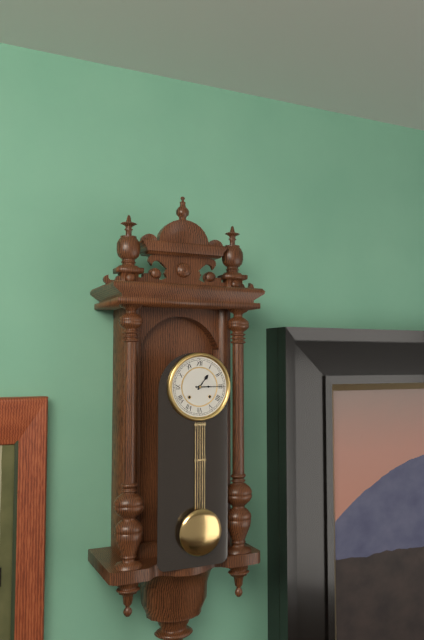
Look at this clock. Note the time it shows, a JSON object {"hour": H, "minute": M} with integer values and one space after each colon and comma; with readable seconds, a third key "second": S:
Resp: {"hour": 1, "minute": 15}
